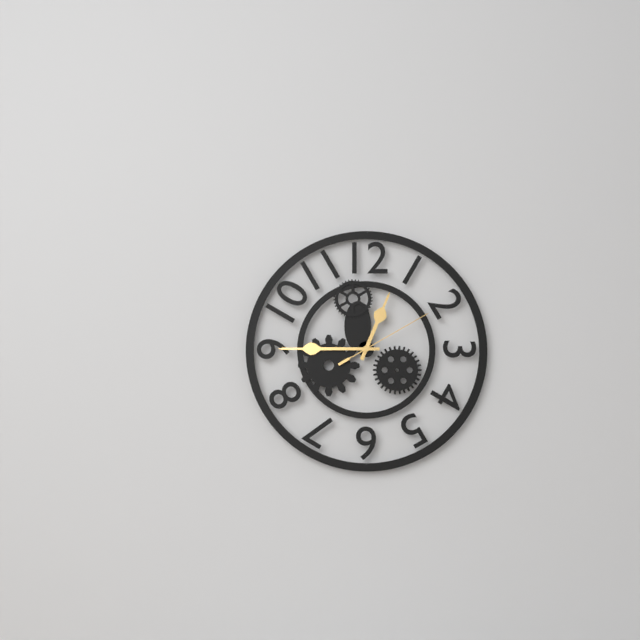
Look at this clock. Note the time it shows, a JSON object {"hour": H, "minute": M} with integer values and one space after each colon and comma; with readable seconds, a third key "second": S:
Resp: {"hour": 12, "minute": 45, "second": 10}
